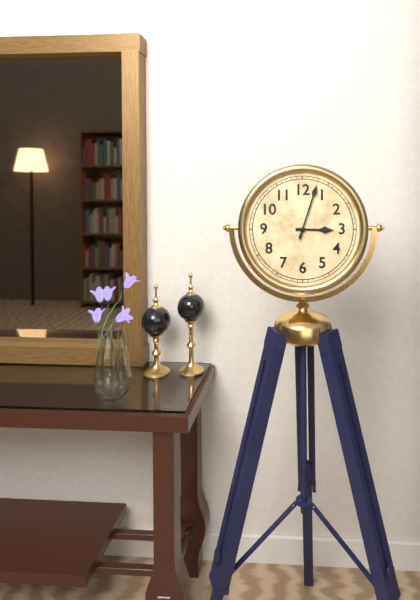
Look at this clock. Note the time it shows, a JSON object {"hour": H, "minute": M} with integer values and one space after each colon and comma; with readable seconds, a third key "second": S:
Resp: {"hour": 3, "minute": 3}
